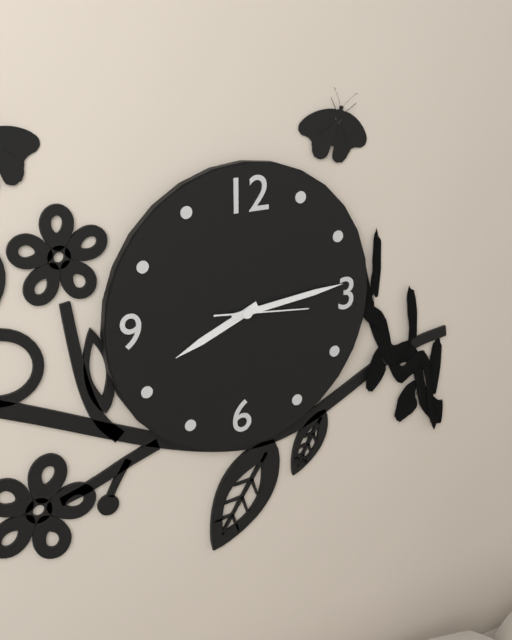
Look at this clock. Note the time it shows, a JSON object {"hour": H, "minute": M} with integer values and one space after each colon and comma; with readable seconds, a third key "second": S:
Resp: {"hour": 8, "minute": 14, "second": 16}
